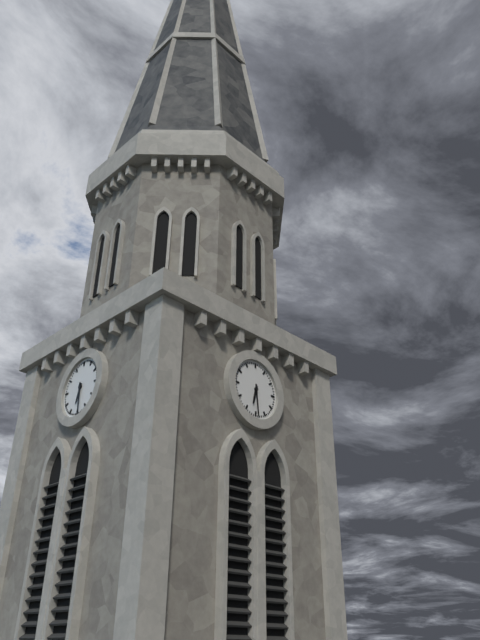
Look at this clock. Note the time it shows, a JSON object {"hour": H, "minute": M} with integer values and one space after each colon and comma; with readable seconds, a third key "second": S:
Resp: {"hour": 6, "minute": 29}
